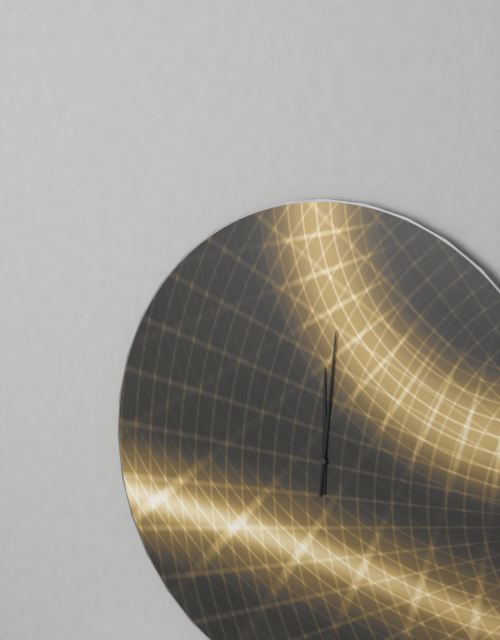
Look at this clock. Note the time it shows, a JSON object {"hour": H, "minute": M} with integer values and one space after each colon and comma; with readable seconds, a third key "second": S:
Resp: {"hour": 12, "minute": 1}
